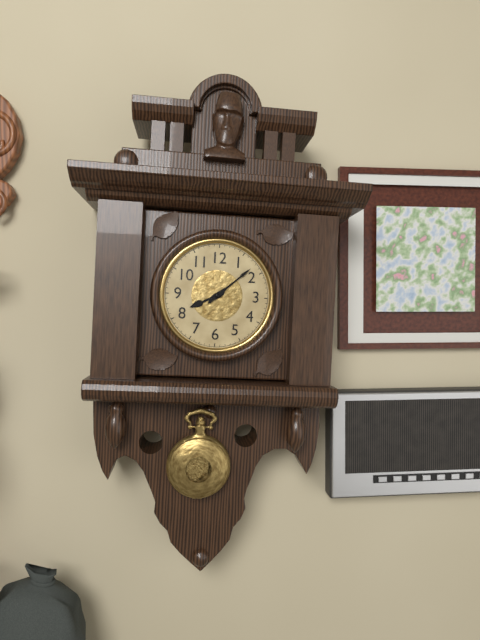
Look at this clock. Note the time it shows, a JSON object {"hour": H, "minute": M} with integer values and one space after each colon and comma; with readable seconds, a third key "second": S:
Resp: {"hour": 8, "minute": 8}
